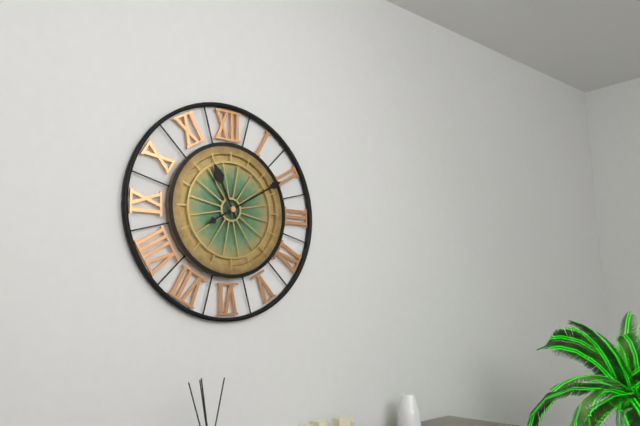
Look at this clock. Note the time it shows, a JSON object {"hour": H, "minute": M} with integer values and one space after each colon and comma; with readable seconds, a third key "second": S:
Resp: {"hour": 11, "minute": 10}
